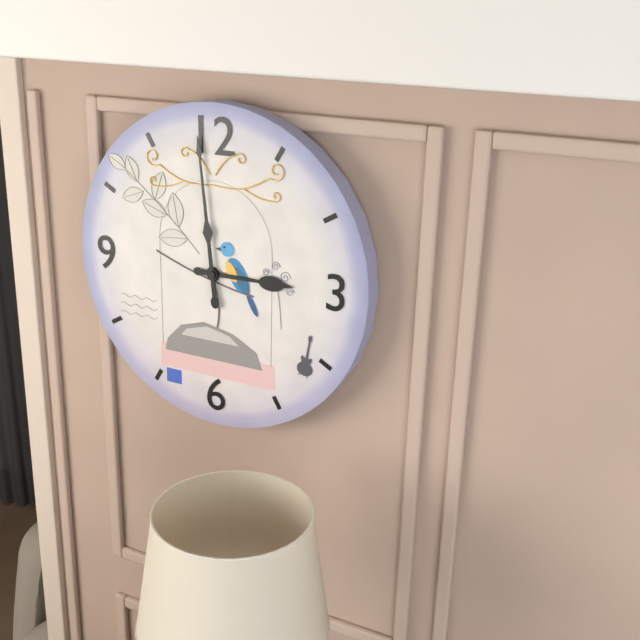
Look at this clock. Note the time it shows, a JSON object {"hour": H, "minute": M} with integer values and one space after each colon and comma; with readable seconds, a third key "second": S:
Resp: {"hour": 2, "minute": 59}
